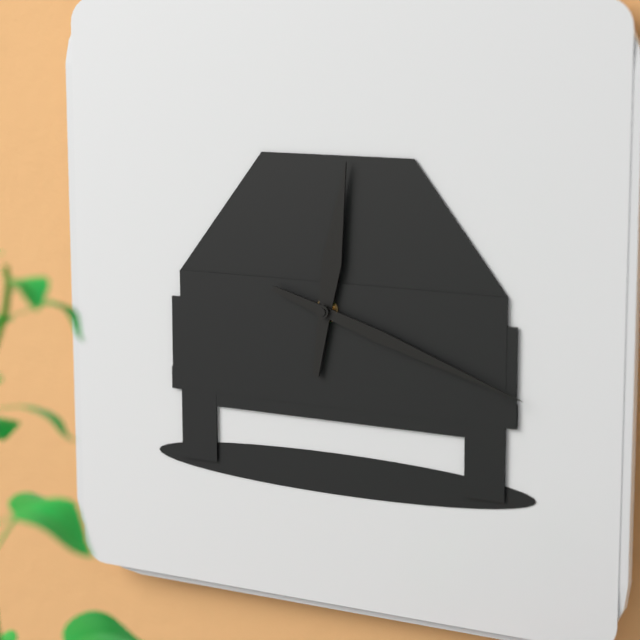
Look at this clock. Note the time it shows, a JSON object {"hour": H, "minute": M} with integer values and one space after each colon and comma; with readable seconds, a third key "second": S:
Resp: {"hour": 12, "minute": 18}
